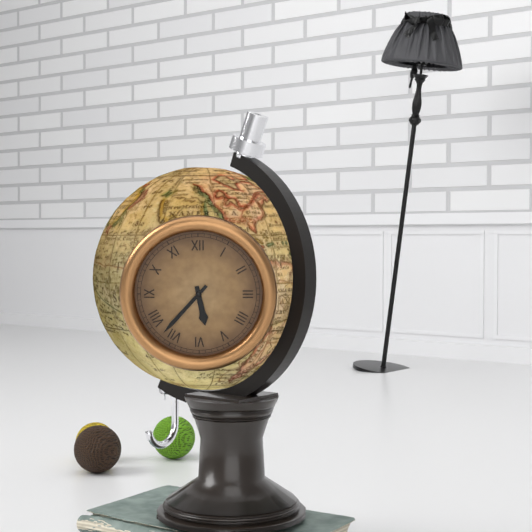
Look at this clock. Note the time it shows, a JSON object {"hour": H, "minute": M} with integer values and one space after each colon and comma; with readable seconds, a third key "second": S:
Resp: {"hour": 5, "minute": 37}
